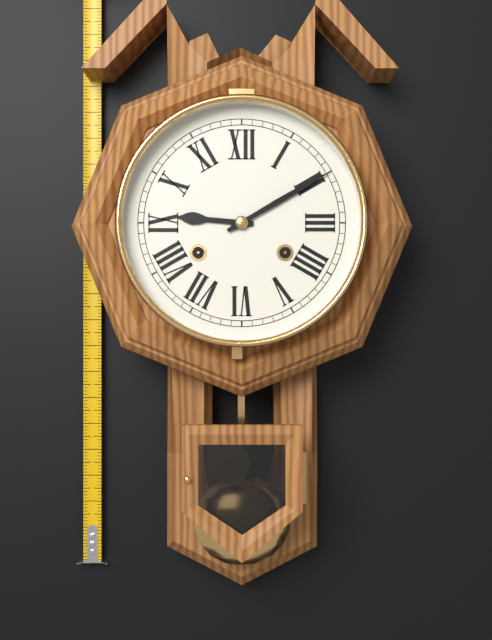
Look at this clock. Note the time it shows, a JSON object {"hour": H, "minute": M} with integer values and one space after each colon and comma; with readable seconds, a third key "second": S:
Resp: {"hour": 9, "minute": 10}
